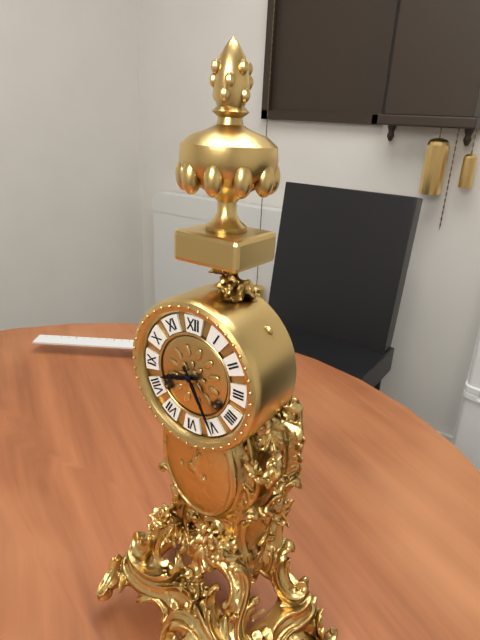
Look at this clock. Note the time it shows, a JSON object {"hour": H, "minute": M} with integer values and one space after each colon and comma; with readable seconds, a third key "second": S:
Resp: {"hour": 8, "minute": 25}
